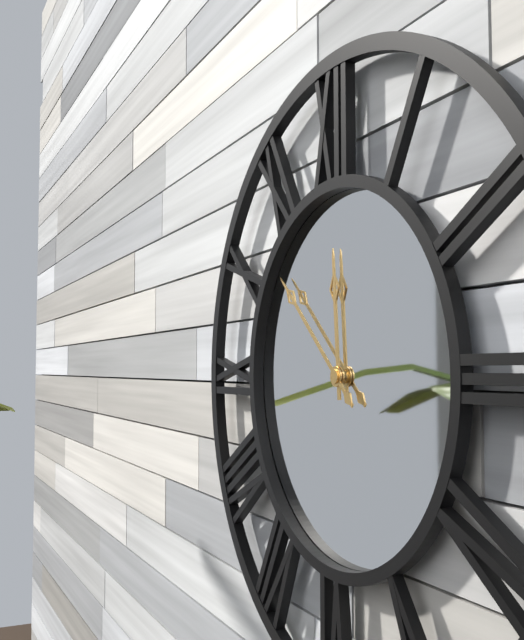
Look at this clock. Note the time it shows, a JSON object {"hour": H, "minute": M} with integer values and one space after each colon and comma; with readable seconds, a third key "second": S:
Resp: {"hour": 11, "minute": 52}
